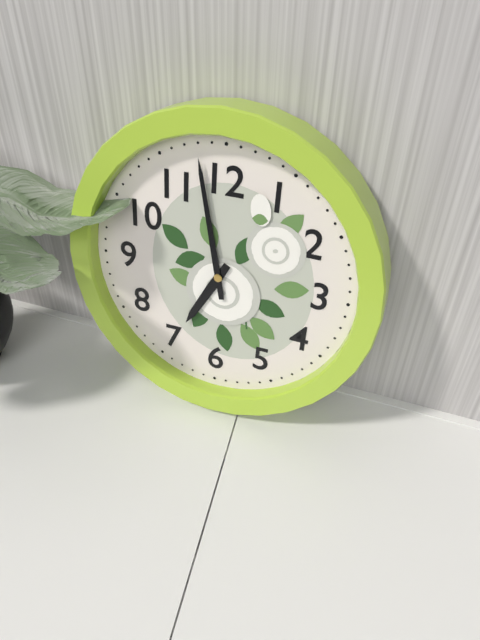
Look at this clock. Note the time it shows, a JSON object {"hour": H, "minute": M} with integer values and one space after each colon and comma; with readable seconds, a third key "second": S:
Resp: {"hour": 6, "minute": 58}
